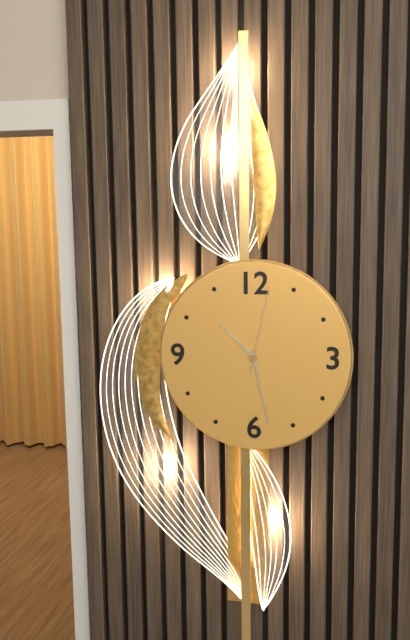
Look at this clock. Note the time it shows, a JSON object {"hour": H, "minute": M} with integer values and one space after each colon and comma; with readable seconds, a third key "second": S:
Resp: {"hour": 10, "minute": 28, "second": 2}
